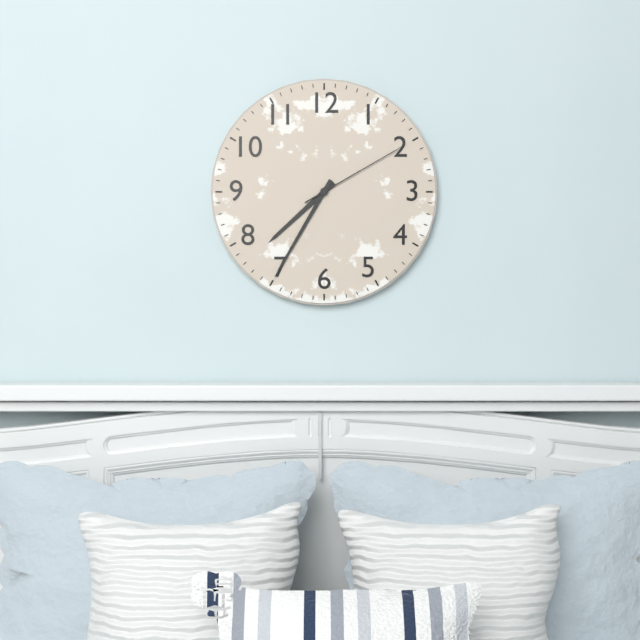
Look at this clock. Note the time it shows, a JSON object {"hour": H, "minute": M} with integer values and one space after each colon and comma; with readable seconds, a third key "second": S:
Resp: {"hour": 7, "minute": 35, "second": 10}
